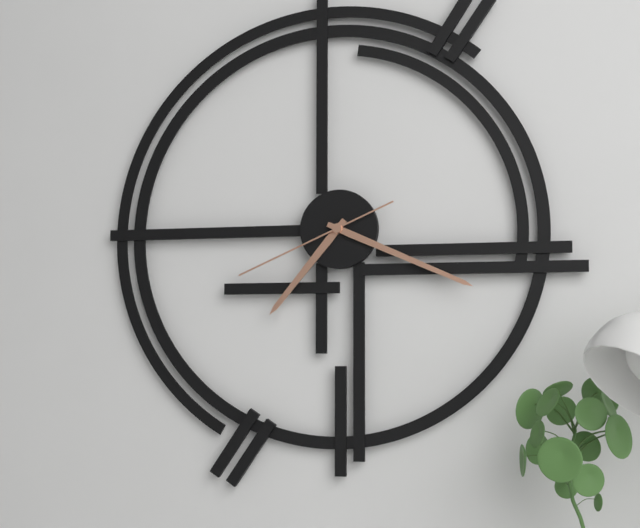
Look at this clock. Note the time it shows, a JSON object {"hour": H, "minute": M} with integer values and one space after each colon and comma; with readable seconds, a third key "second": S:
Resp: {"hour": 7, "minute": 19, "second": 41}
